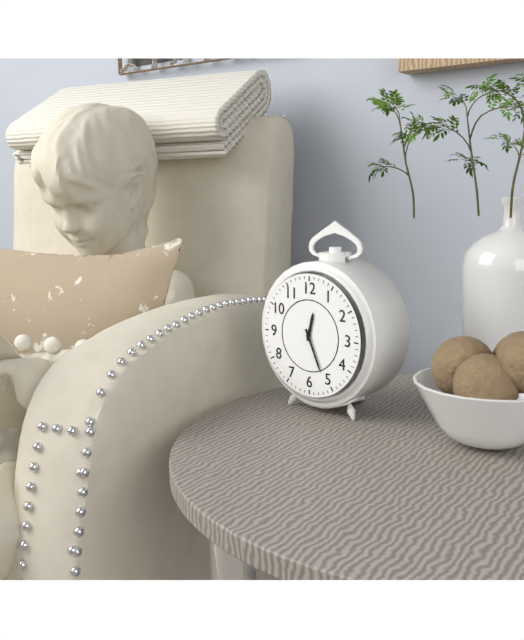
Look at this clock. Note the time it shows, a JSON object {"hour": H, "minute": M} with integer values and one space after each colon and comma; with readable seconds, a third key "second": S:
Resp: {"hour": 12, "minute": 26}
